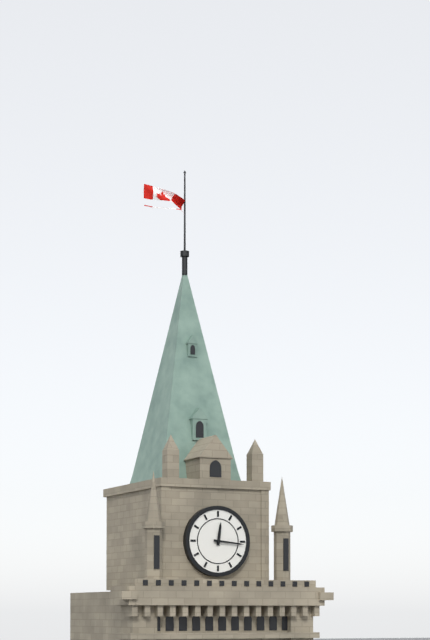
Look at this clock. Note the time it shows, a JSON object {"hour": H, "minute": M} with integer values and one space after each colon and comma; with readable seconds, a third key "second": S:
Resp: {"hour": 12, "minute": 16}
